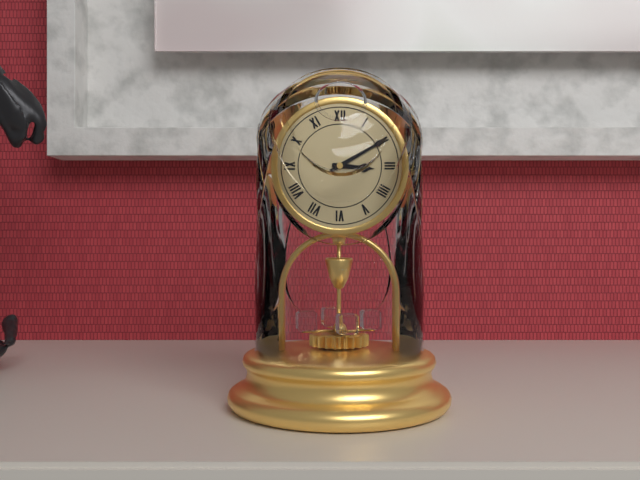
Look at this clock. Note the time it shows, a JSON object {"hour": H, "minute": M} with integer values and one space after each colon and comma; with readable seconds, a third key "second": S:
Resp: {"hour": 3, "minute": 10}
